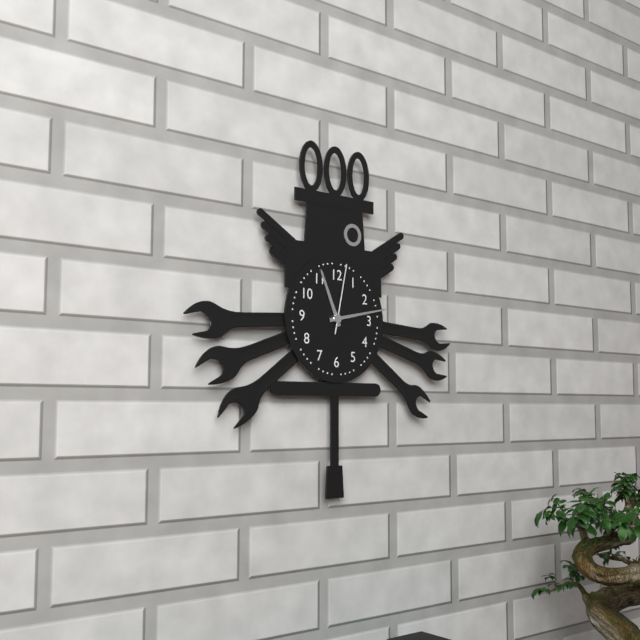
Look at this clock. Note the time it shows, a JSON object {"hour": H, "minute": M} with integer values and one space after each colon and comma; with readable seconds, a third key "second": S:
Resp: {"hour": 11, "minute": 13, "second": 2}
